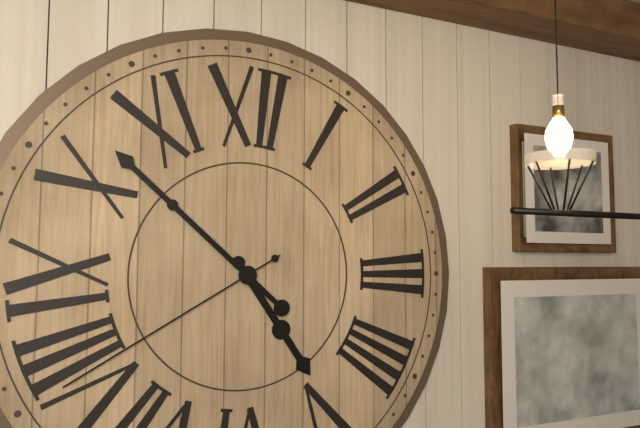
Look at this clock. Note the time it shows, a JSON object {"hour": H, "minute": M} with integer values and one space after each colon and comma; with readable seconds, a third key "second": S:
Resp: {"hour": 4, "minute": 52, "second": 40}
